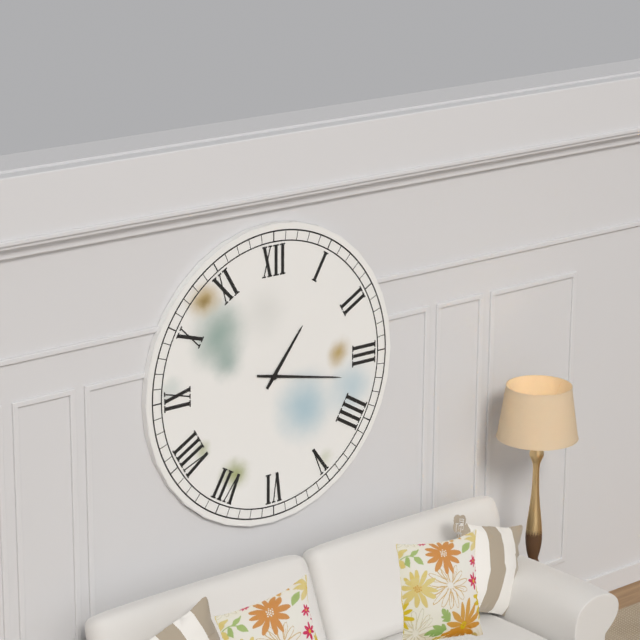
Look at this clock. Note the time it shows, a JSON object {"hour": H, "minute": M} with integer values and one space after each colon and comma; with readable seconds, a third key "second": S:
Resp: {"hour": 1, "minute": 17}
